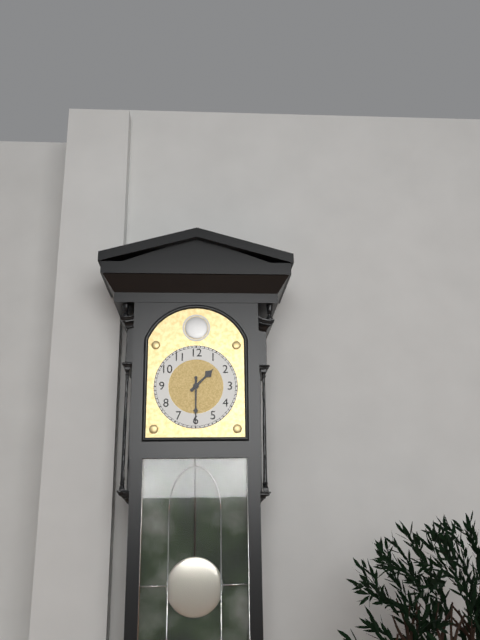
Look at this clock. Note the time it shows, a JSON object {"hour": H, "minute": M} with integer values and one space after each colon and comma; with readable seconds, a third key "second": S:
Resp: {"hour": 1, "minute": 30}
